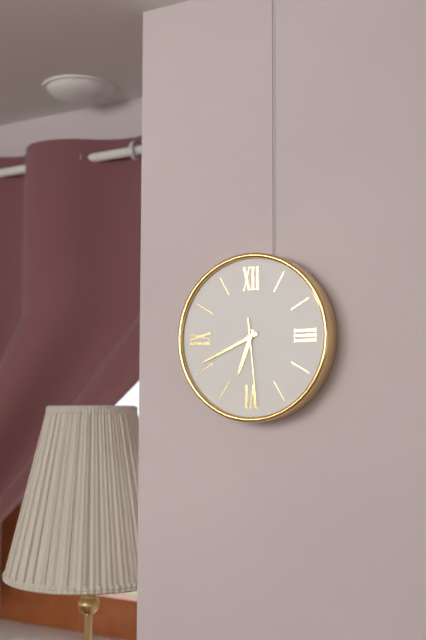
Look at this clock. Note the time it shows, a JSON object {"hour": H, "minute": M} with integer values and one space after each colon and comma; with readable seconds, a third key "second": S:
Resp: {"hour": 6, "minute": 41, "second": 29}
